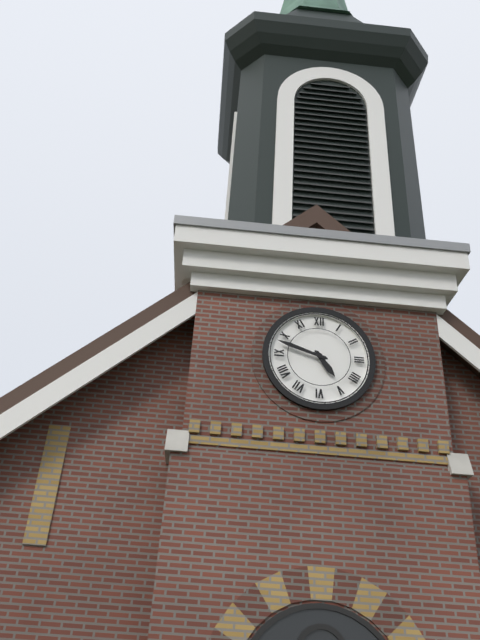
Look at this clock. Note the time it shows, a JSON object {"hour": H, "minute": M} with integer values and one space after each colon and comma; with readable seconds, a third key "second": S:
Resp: {"hour": 4, "minute": 48}
